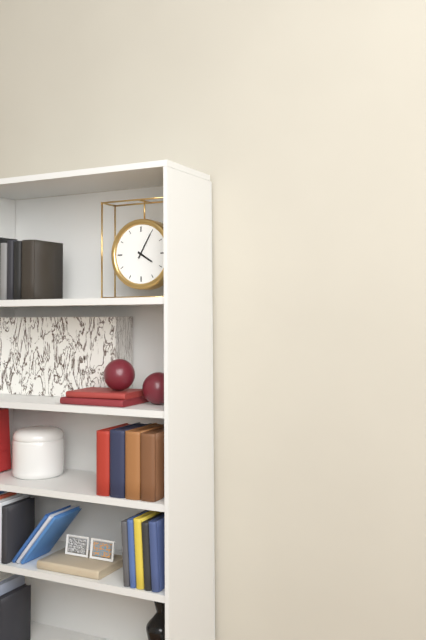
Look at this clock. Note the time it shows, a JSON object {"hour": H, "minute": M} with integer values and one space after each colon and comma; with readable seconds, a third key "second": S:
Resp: {"hour": 4, "minute": 5}
